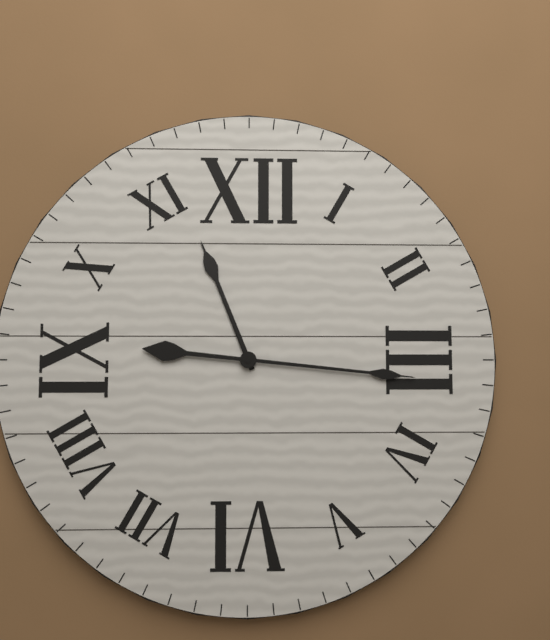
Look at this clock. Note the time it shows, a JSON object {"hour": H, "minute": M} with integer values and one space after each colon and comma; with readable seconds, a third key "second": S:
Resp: {"hour": 11, "minute": 16}
